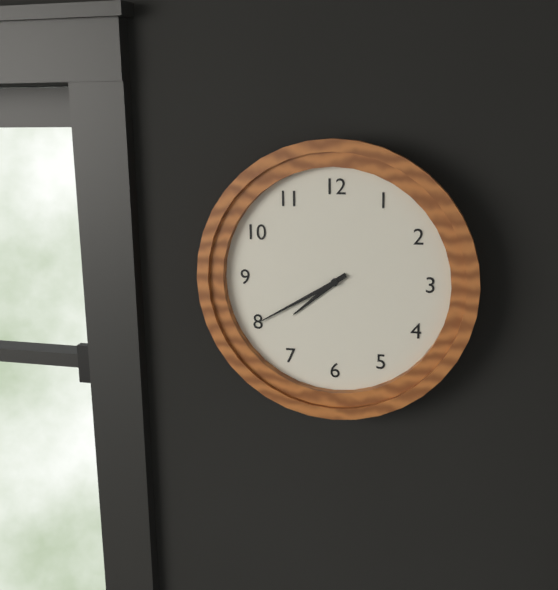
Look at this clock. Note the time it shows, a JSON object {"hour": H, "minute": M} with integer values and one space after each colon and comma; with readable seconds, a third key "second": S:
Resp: {"hour": 7, "minute": 40}
